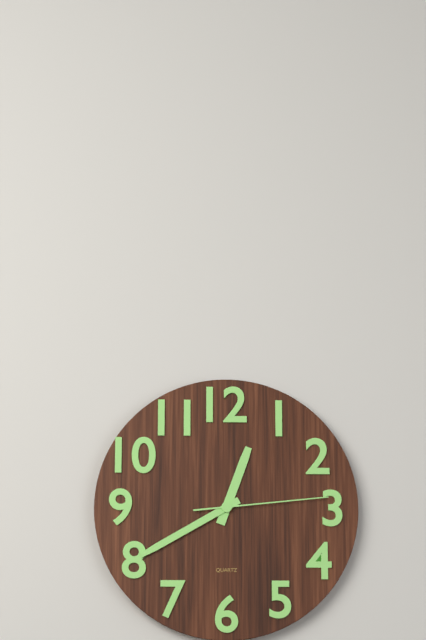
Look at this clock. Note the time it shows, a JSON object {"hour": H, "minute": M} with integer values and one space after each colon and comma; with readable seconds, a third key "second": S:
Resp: {"hour": 12, "minute": 40, "second": 14}
